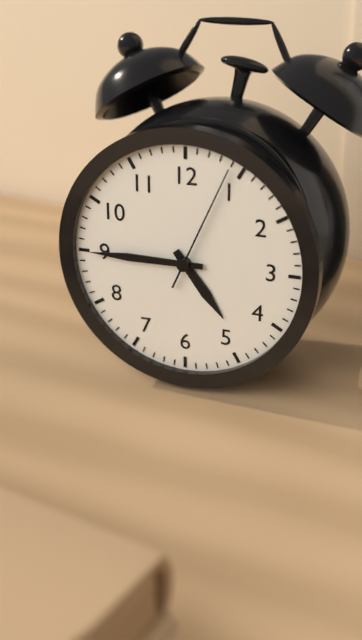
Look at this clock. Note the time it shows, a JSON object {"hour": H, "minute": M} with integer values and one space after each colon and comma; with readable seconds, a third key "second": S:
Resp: {"hour": 4, "minute": 45, "second": 4}
